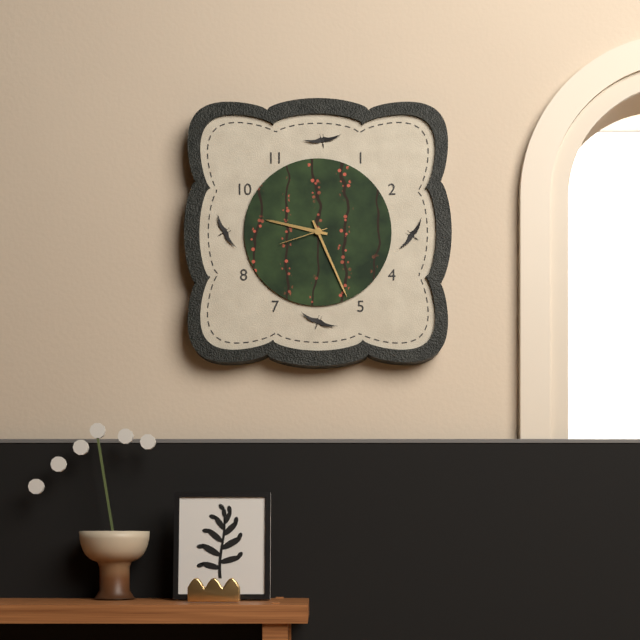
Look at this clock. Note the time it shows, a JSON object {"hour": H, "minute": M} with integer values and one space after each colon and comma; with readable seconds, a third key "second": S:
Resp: {"hour": 9, "minute": 26, "second": 42}
